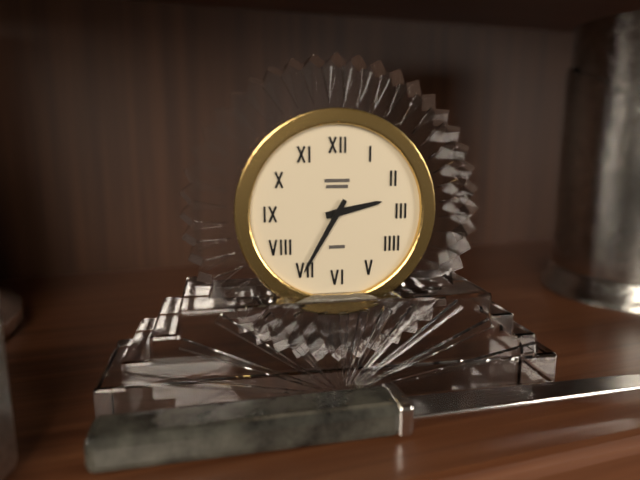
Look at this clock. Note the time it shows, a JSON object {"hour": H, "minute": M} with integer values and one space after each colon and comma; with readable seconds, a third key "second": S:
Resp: {"hour": 2, "minute": 35}
